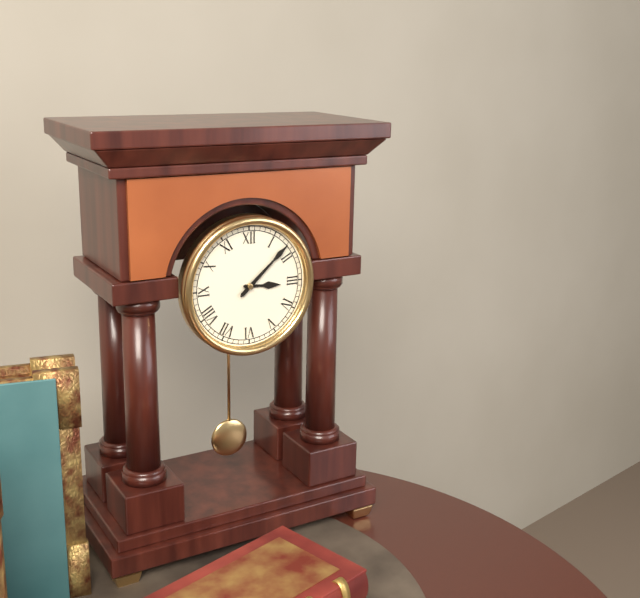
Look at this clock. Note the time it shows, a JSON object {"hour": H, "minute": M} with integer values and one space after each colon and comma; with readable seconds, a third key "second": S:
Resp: {"hour": 3, "minute": 8}
